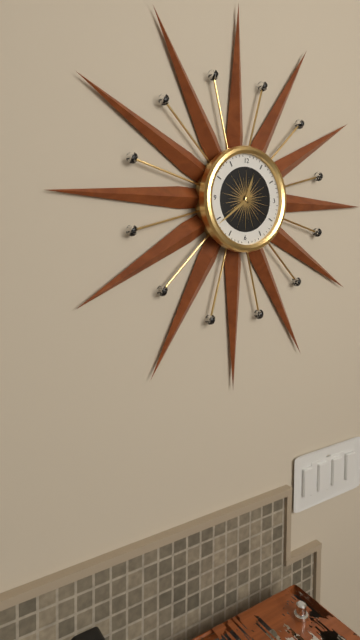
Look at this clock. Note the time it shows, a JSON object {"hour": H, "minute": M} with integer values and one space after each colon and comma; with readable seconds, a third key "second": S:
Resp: {"hour": 12, "minute": 39}
